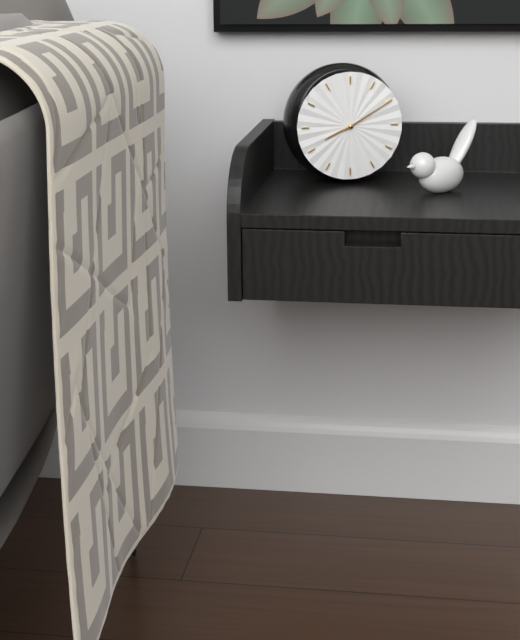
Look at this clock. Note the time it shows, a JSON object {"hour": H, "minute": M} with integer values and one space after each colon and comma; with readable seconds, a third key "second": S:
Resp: {"hour": 8, "minute": 10}
